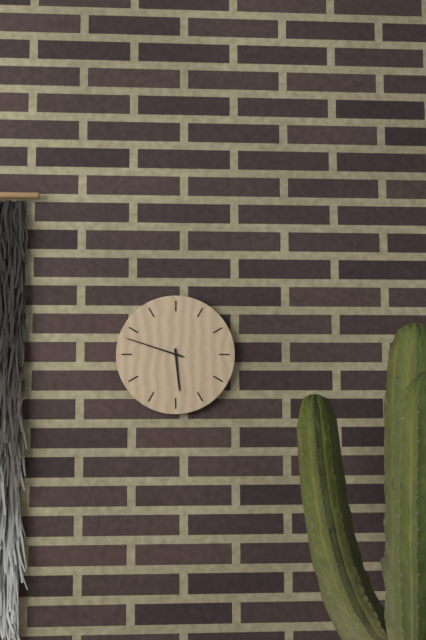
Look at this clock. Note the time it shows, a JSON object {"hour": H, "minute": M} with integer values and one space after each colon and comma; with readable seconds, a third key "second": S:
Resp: {"hour": 5, "minute": 48}
